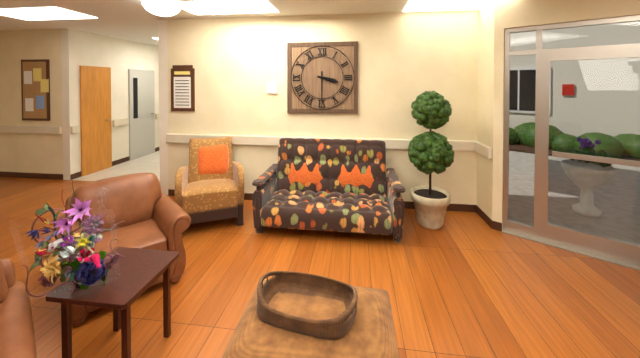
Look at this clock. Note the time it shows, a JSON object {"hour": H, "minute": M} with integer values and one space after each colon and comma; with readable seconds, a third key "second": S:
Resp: {"hour": 3, "minute": 30}
